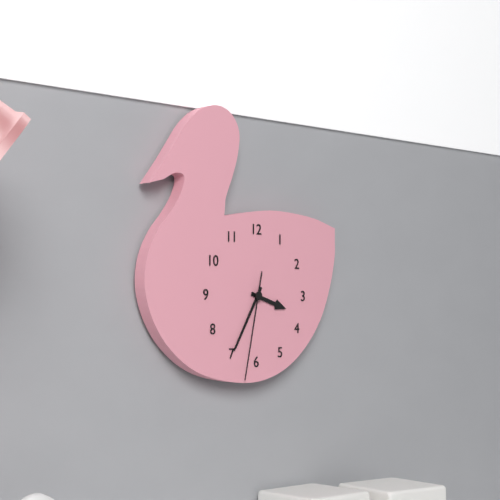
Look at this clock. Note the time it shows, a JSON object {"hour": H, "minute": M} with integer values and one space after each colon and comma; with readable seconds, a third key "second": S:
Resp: {"hour": 3, "minute": 35, "second": 32}
